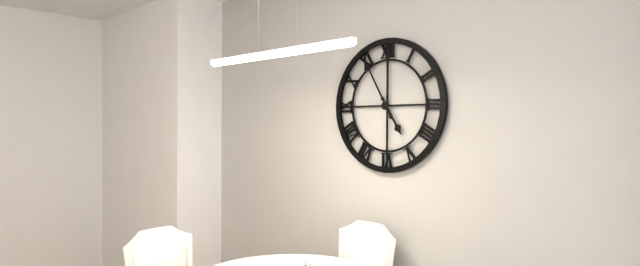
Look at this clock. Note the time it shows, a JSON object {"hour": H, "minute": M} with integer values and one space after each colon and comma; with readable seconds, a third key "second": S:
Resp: {"hour": 4, "minute": 55}
